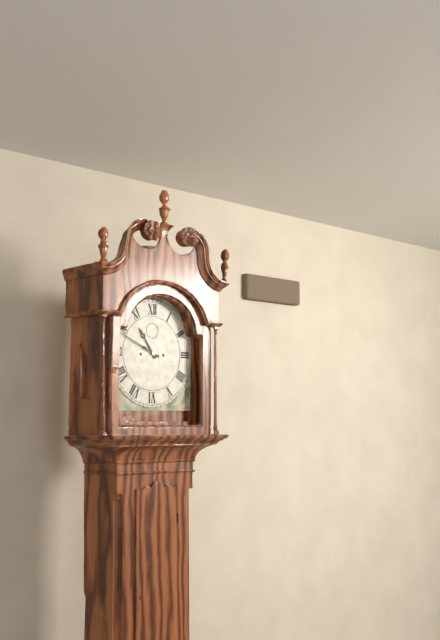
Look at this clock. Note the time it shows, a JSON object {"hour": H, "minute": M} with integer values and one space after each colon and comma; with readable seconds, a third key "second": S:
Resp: {"hour": 10, "minute": 49}
